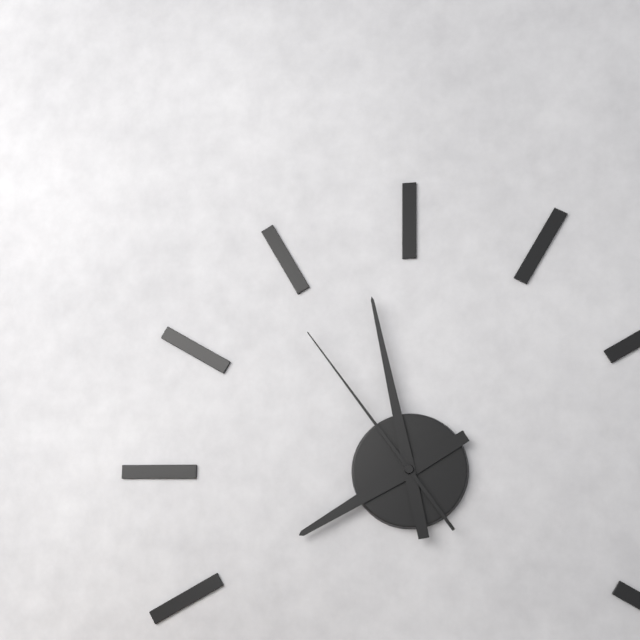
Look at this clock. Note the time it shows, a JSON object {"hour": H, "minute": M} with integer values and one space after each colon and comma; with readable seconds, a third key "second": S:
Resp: {"hour": 7, "minute": 58, "second": 54}
